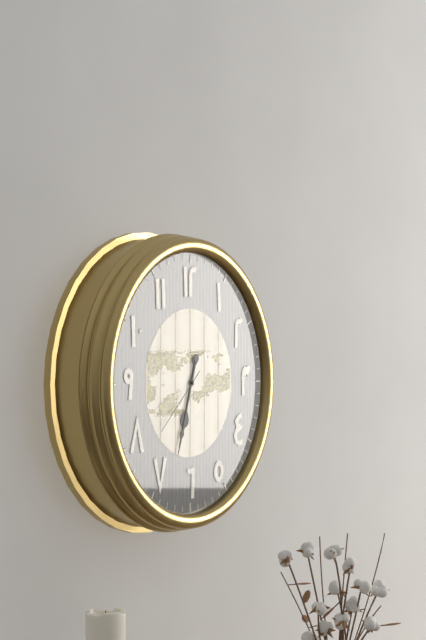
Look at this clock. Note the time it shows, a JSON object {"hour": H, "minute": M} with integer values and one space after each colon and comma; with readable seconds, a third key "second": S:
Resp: {"hour": 6, "minute": 33, "second": 38}
